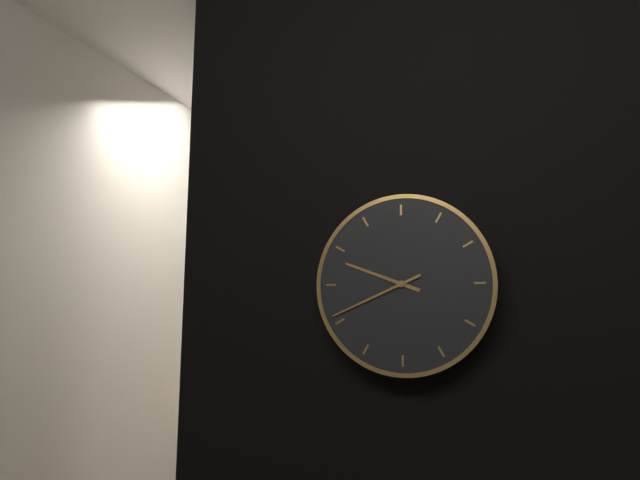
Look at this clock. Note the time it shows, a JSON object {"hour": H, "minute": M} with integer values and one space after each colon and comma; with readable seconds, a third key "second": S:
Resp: {"hour": 9, "minute": 41}
